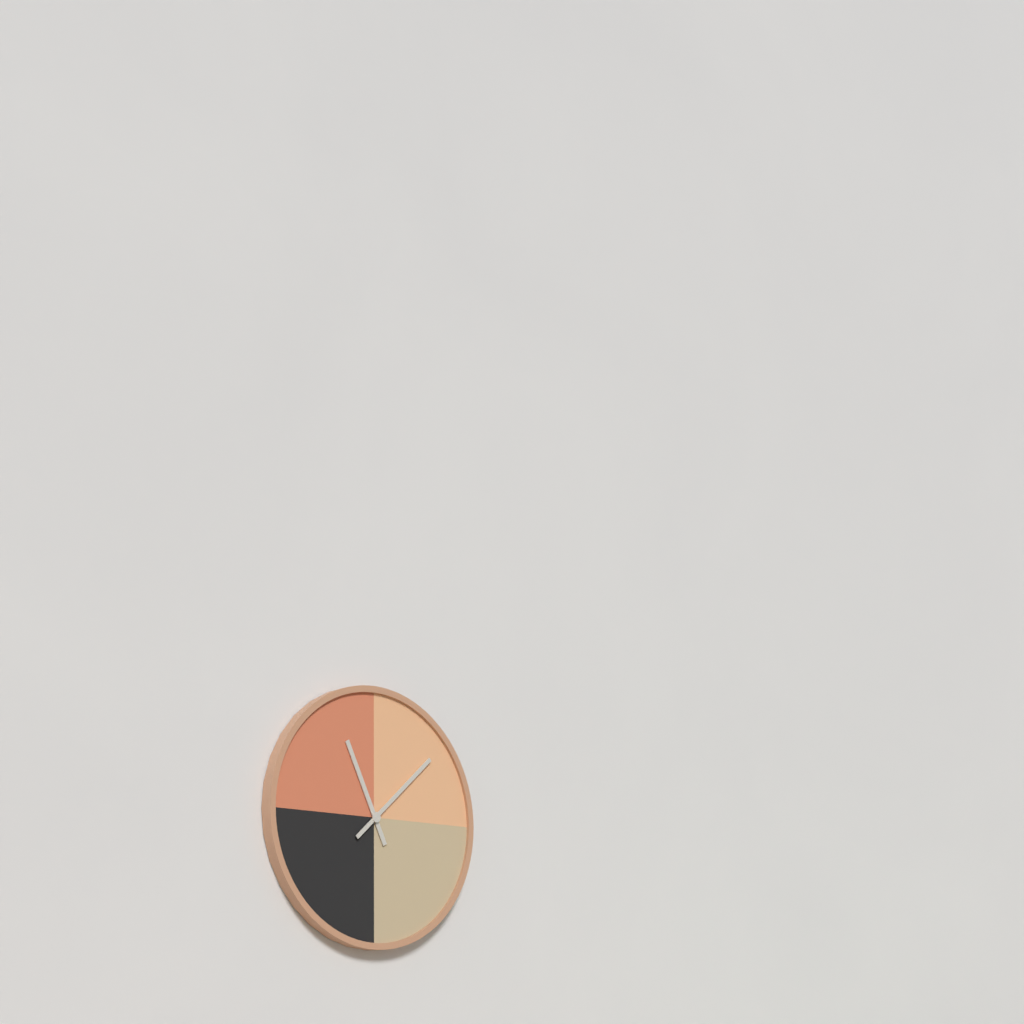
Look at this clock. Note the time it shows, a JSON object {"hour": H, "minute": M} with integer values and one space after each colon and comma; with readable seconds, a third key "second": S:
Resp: {"hour": 11, "minute": 8}
